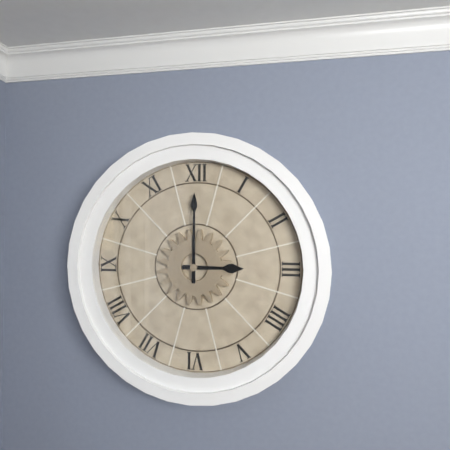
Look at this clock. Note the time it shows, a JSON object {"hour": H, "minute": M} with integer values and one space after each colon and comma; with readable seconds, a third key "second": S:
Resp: {"hour": 3, "minute": 0}
